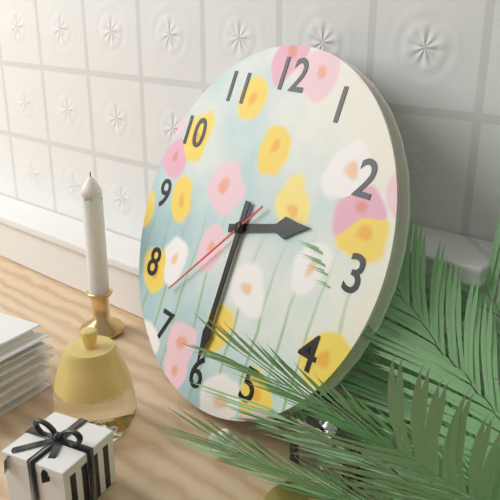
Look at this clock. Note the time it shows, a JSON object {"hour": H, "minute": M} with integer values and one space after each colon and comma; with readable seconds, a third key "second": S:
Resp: {"hour": 2, "minute": 30, "second": 37}
